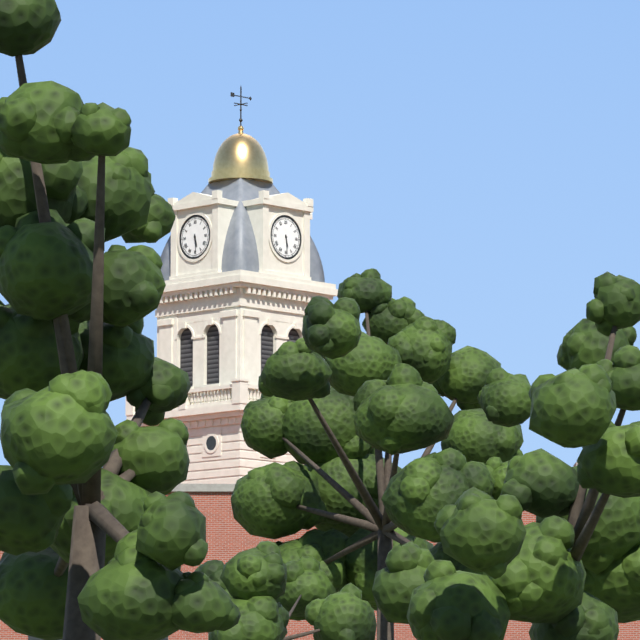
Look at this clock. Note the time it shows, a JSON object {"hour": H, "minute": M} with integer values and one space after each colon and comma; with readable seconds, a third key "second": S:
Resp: {"hour": 5, "minute": 29}
